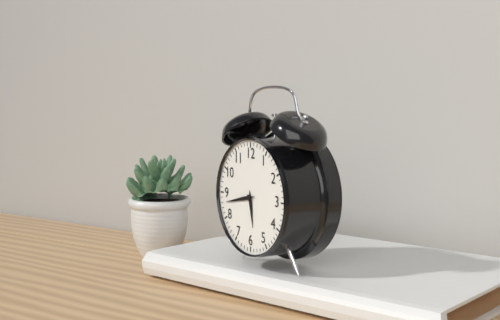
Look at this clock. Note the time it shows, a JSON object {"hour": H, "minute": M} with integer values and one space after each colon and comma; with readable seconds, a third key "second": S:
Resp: {"hour": 5, "minute": 43}
